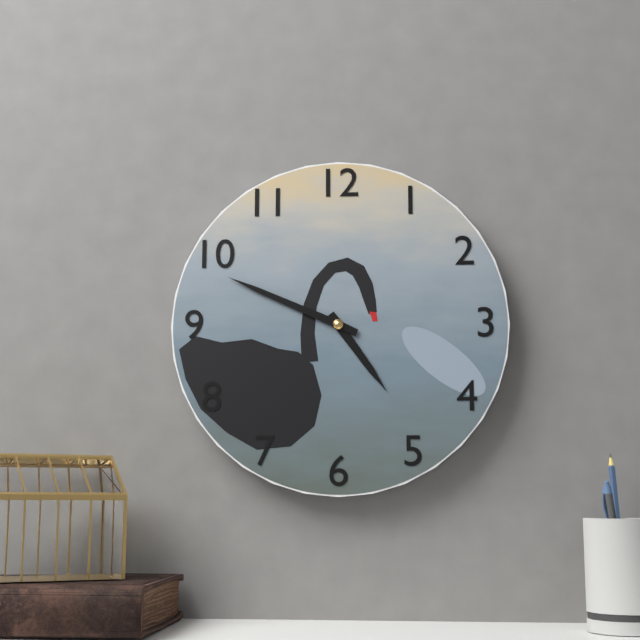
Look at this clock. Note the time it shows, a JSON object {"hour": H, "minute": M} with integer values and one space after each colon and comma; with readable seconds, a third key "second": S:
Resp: {"hour": 4, "minute": 49}
